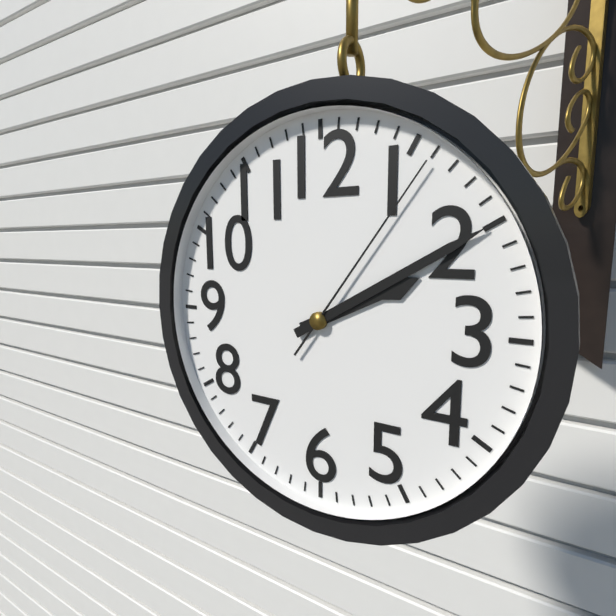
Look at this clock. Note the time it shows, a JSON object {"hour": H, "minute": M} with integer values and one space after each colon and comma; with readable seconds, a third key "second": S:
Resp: {"hour": 2, "minute": 10, "second": 6}
